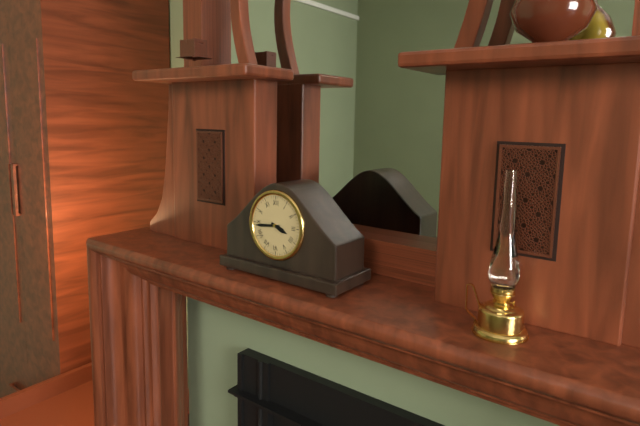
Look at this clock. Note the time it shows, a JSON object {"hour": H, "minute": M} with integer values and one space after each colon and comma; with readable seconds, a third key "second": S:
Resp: {"hour": 3, "minute": 44}
